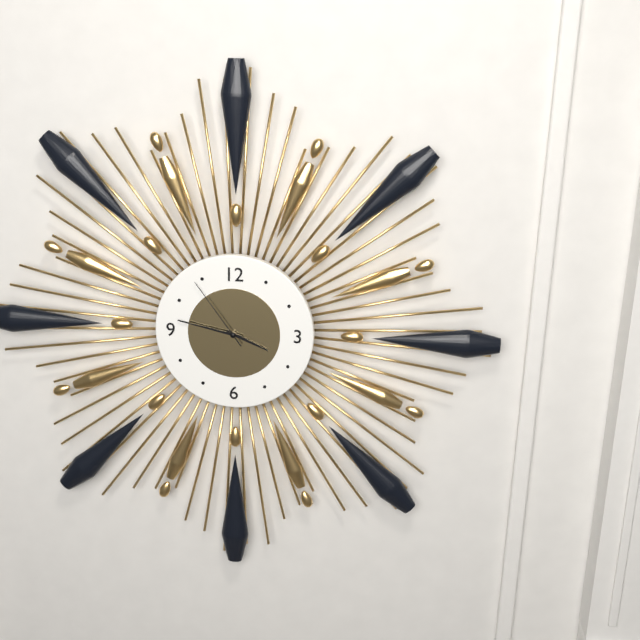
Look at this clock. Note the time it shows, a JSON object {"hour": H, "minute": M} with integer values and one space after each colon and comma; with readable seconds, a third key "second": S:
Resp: {"hour": 3, "minute": 47, "second": 54}
